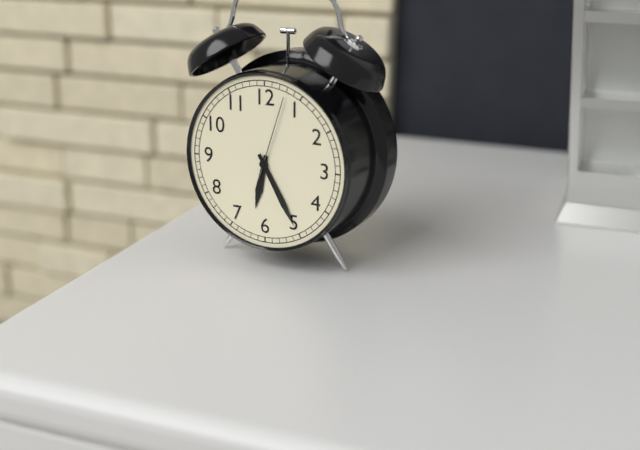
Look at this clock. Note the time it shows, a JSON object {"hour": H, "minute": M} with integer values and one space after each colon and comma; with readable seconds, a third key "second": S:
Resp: {"hour": 6, "minute": 25, "second": 3}
